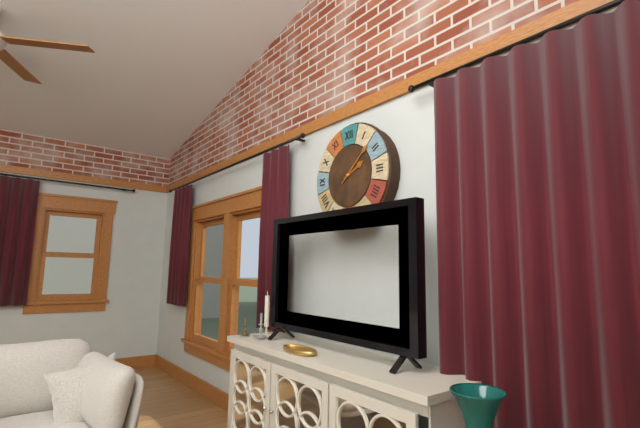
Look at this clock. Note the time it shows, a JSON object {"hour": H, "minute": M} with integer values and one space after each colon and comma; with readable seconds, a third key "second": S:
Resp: {"hour": 2, "minute": 8}
